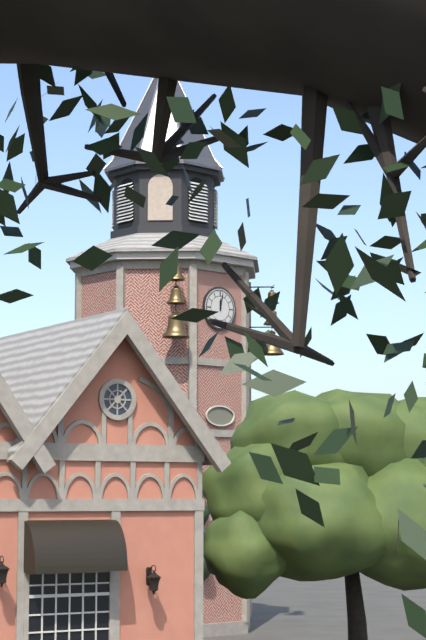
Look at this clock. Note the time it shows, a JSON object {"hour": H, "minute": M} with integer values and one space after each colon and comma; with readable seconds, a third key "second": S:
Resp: {"hour": 12, "minute": 2}
